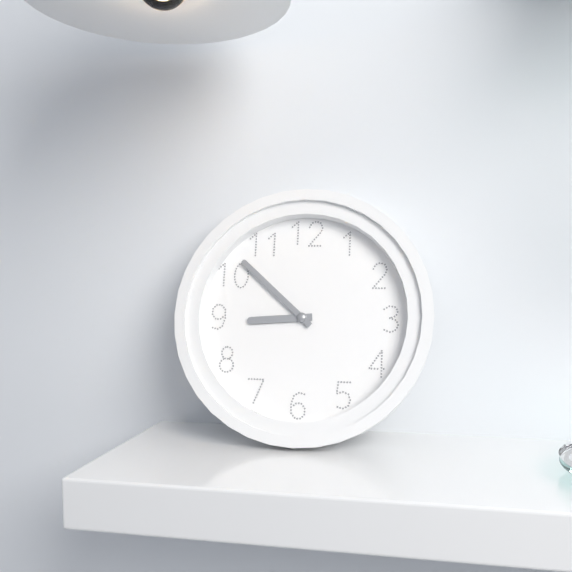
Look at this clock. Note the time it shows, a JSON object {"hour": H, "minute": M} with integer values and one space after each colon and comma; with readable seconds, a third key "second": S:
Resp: {"hour": 8, "minute": 52}
